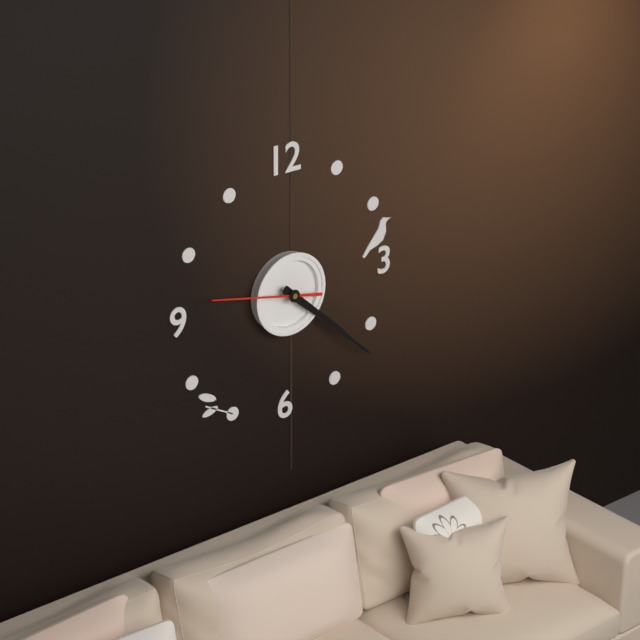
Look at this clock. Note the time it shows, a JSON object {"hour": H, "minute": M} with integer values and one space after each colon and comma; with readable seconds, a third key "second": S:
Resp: {"hour": 4, "minute": 22, "second": 47}
